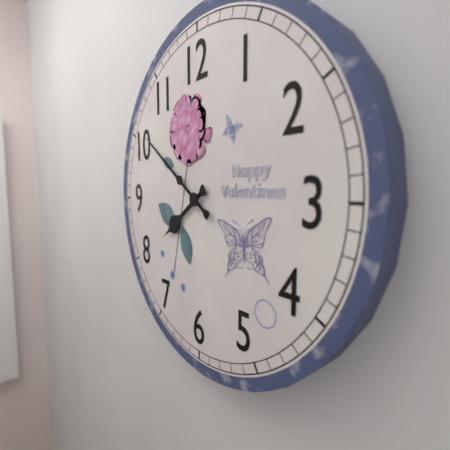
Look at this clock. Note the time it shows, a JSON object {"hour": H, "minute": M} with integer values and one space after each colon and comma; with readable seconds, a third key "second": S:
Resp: {"hour": 7, "minute": 51}
